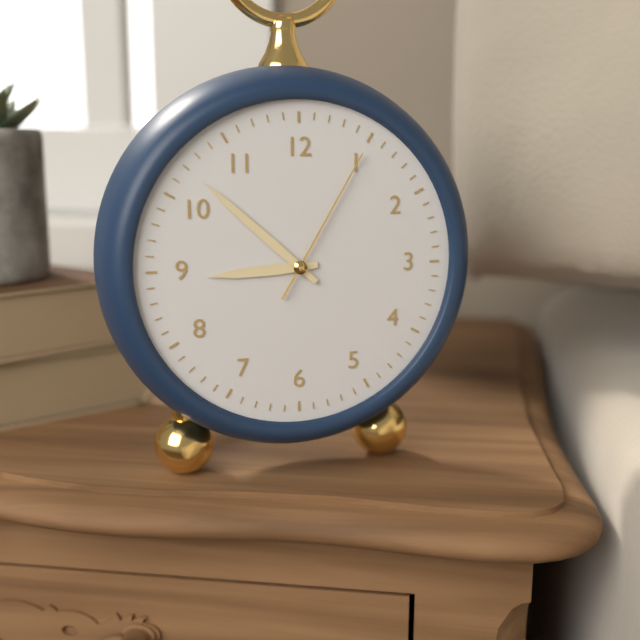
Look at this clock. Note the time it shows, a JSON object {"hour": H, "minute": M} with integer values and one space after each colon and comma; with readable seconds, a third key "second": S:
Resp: {"hour": 8, "minute": 52, "second": 5}
